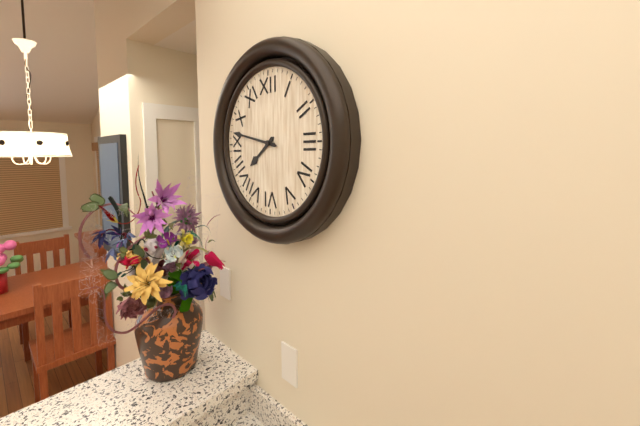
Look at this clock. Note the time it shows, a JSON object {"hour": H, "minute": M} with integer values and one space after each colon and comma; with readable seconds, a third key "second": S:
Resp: {"hour": 7, "minute": 47}
